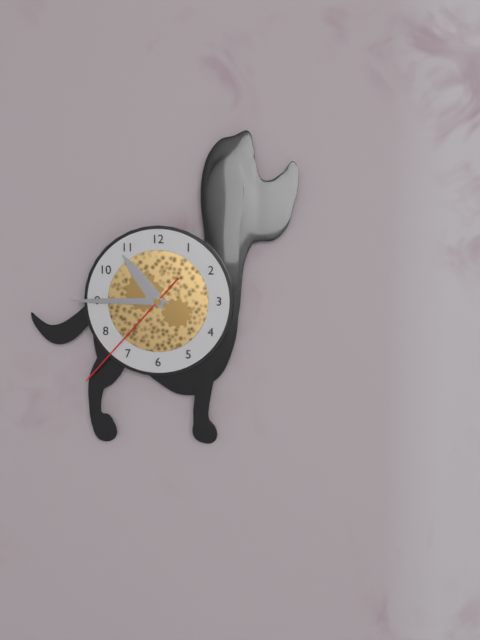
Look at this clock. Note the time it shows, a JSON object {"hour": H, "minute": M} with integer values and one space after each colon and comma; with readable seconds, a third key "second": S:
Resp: {"hour": 10, "minute": 45, "second": 37}
